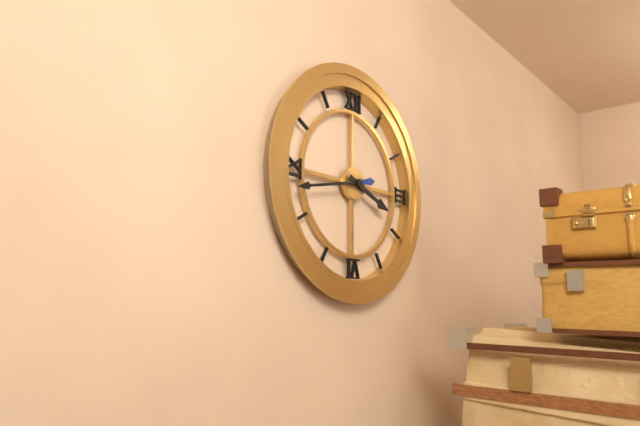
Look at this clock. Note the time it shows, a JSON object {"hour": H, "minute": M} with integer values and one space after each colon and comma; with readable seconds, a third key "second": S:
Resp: {"hour": 3, "minute": 43}
